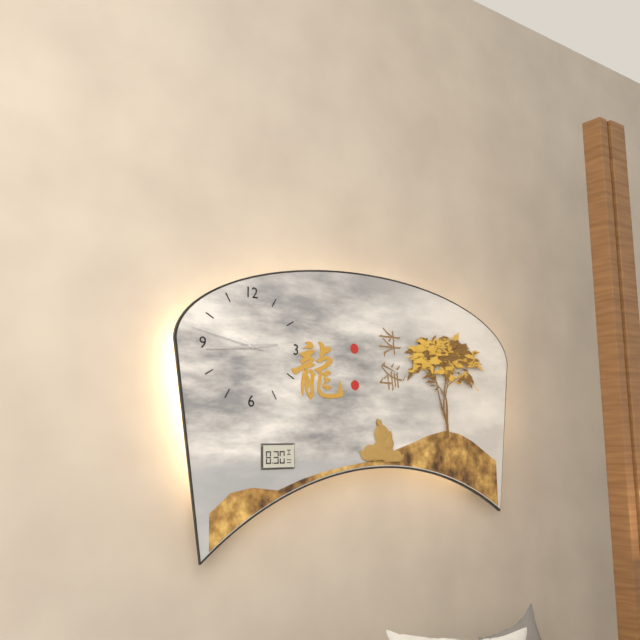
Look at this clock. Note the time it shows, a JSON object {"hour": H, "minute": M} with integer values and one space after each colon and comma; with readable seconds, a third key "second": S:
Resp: {"hour": 2, "minute": 44, "second": 47}
